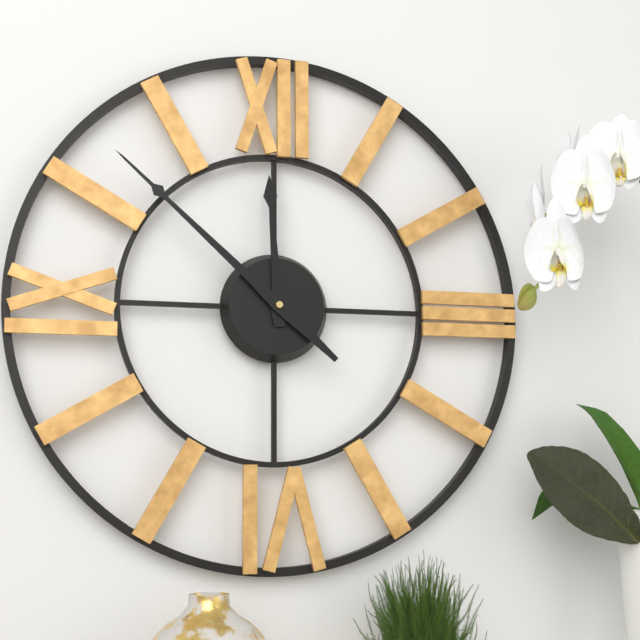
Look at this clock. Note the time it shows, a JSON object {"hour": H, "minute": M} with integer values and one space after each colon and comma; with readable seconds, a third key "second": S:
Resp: {"hour": 11, "minute": 52}
